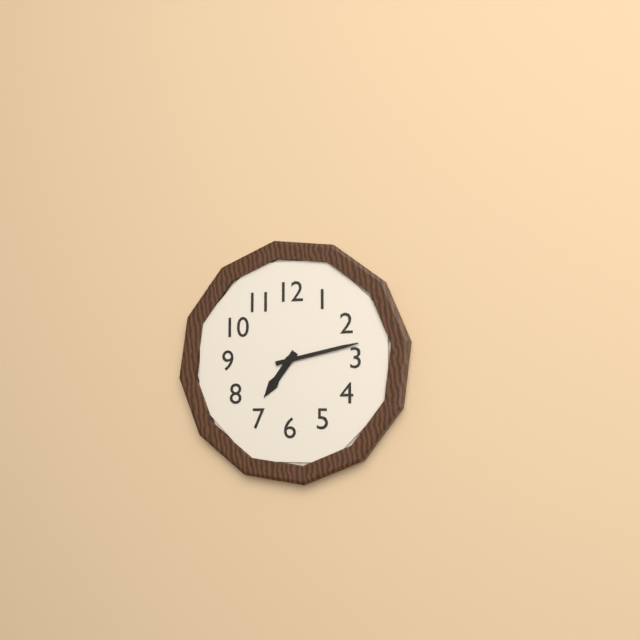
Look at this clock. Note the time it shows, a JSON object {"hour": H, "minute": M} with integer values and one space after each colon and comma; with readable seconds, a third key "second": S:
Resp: {"hour": 7, "minute": 13}
